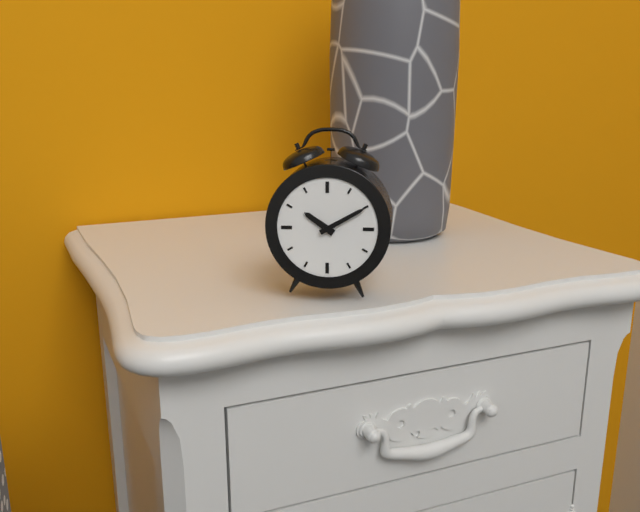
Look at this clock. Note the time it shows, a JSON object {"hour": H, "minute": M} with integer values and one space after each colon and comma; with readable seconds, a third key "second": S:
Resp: {"hour": 10, "minute": 10}
